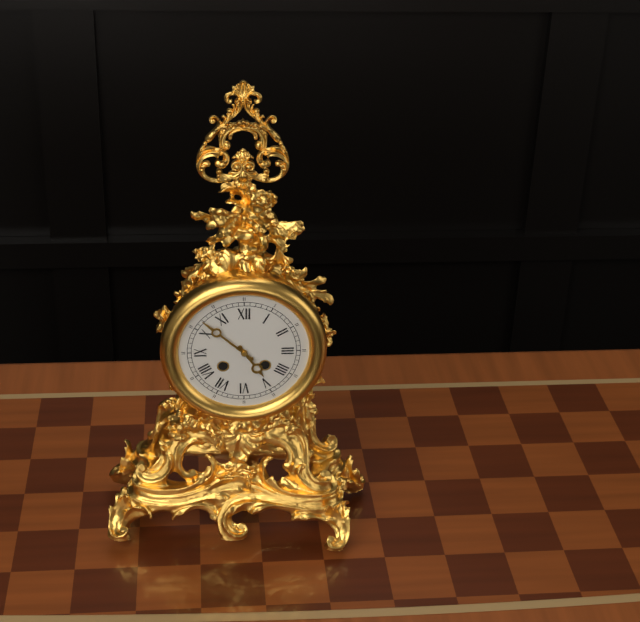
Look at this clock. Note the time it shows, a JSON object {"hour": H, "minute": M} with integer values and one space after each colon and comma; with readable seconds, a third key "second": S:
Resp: {"hour": 4, "minute": 52}
